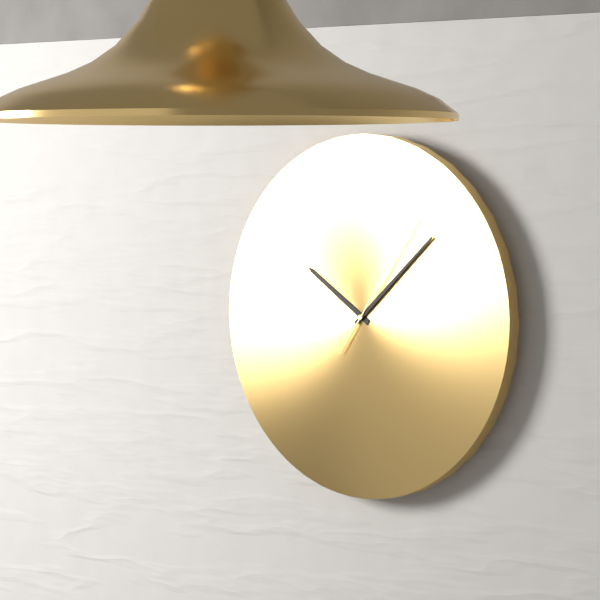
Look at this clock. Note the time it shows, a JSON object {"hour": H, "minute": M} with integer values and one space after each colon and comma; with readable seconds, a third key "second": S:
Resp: {"hour": 10, "minute": 8, "second": 6}
